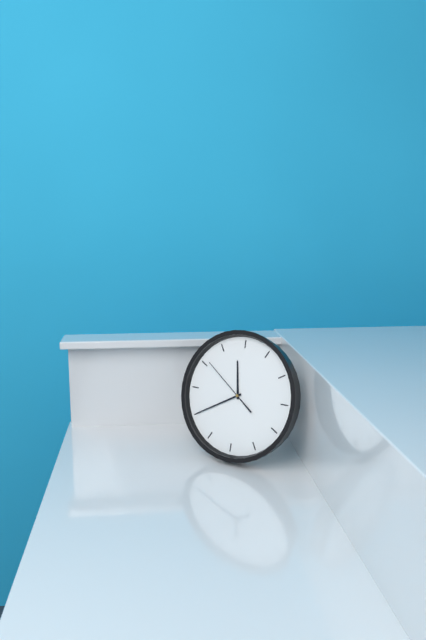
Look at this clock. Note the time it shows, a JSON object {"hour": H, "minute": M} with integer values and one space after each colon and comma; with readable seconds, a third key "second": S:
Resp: {"hour": 11, "minute": 40, "second": 51}
